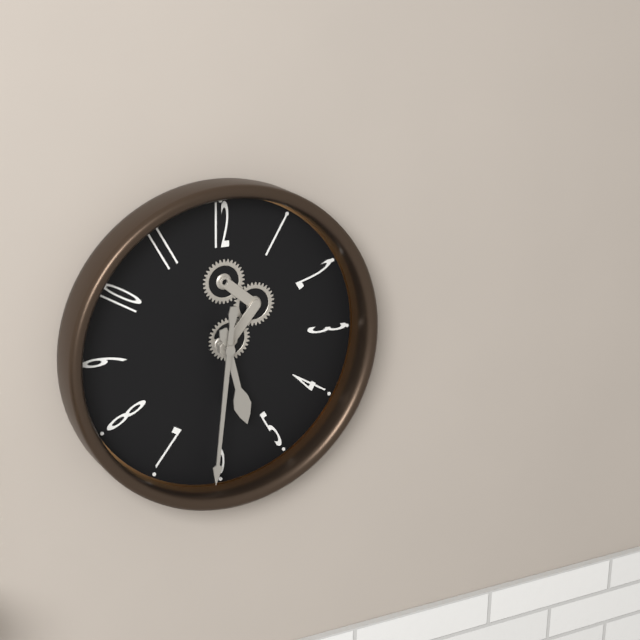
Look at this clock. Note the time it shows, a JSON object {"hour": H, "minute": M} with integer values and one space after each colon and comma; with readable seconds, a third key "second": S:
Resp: {"hour": 5, "minute": 31}
